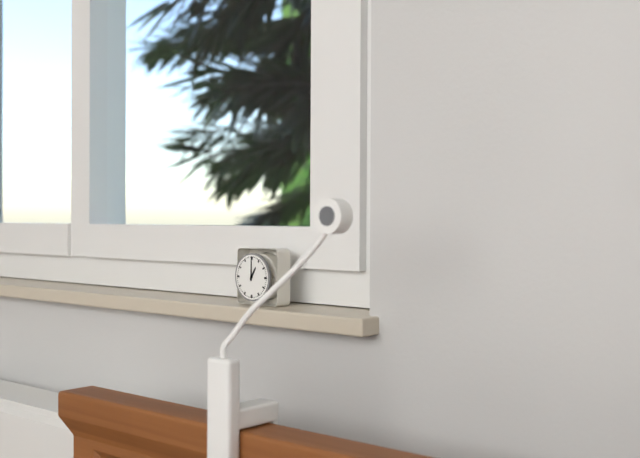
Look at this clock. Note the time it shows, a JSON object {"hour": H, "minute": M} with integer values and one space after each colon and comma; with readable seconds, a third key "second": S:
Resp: {"hour": 1, "minute": 0}
